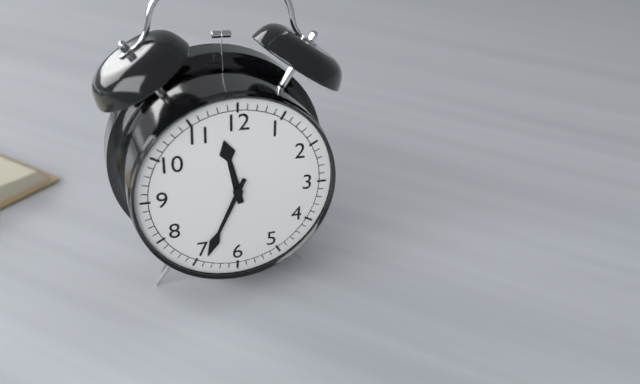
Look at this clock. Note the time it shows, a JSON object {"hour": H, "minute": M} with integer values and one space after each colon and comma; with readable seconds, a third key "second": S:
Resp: {"hour": 11, "minute": 34}
